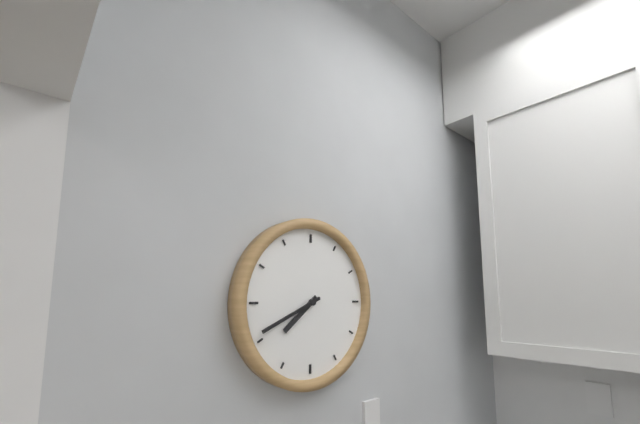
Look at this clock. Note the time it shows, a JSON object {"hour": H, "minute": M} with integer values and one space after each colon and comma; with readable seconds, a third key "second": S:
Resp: {"hour": 7, "minute": 41}
